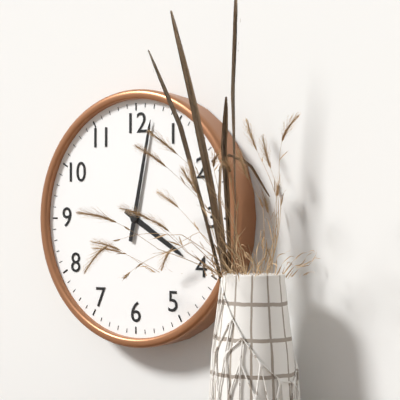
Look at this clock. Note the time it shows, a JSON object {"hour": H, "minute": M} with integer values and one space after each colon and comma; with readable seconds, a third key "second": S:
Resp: {"hour": 4, "minute": 2}
